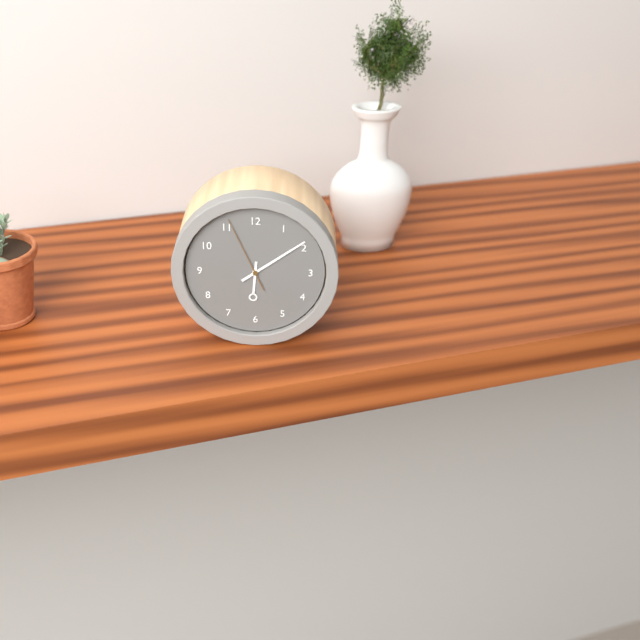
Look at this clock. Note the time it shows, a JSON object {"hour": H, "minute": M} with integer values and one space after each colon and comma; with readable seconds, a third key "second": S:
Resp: {"hour": 6, "minute": 9, "second": 56}
